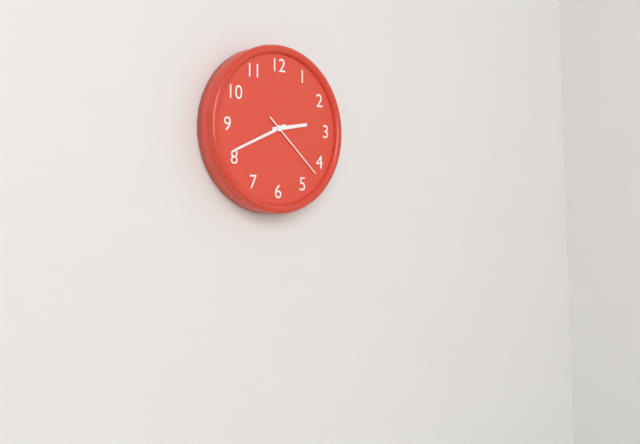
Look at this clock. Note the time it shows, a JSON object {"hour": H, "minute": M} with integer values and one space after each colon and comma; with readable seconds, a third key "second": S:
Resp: {"hour": 2, "minute": 41, "second": 22}
